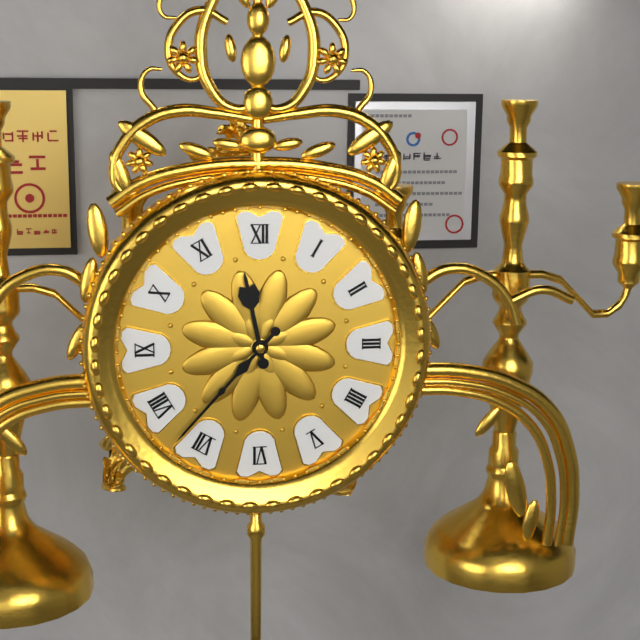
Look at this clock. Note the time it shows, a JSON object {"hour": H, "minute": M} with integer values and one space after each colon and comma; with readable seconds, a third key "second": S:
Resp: {"hour": 11, "minute": 37}
